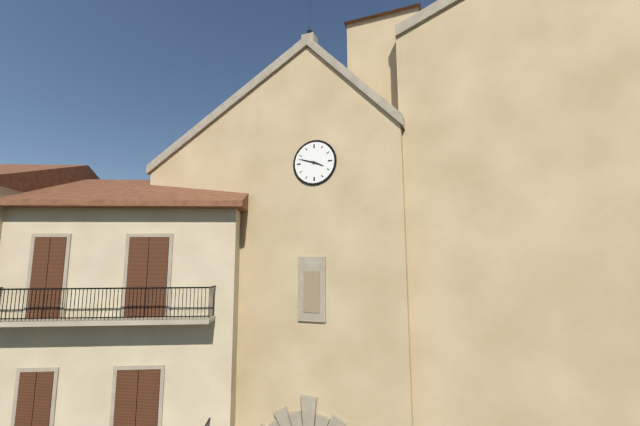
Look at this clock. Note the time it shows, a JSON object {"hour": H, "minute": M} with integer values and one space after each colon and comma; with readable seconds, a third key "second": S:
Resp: {"hour": 3, "minute": 48}
